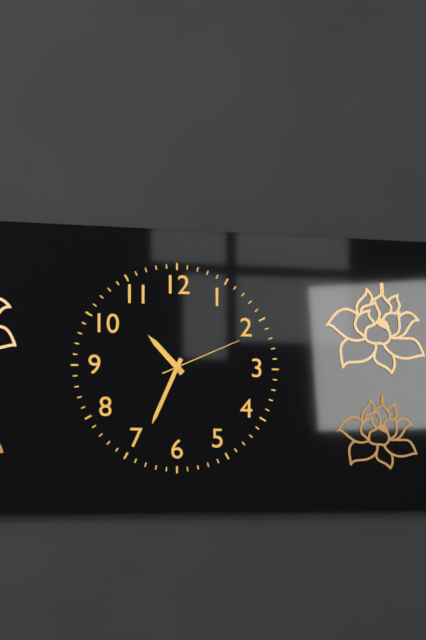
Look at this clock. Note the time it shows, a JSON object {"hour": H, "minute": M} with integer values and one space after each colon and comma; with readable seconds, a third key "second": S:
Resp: {"hour": 10, "minute": 34, "second": 11}
